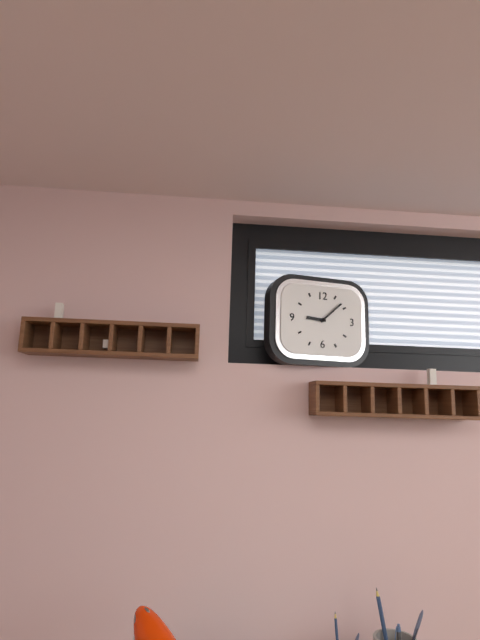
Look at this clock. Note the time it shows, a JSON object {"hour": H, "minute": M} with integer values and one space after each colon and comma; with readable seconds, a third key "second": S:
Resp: {"hour": 9, "minute": 8}
